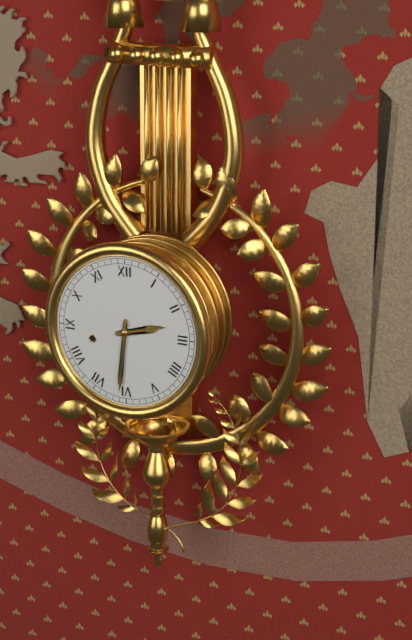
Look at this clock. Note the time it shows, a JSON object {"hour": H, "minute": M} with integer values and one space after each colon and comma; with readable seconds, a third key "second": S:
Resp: {"hour": 2, "minute": 31}
